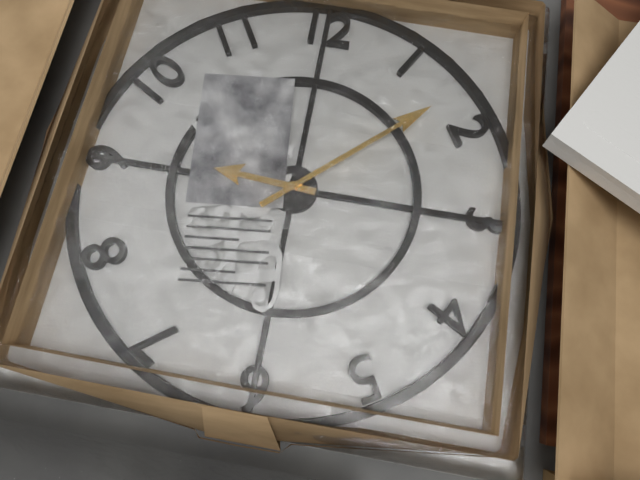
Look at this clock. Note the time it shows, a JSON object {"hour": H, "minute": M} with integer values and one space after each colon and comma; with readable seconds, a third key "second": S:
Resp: {"hour": 9, "minute": 8}
